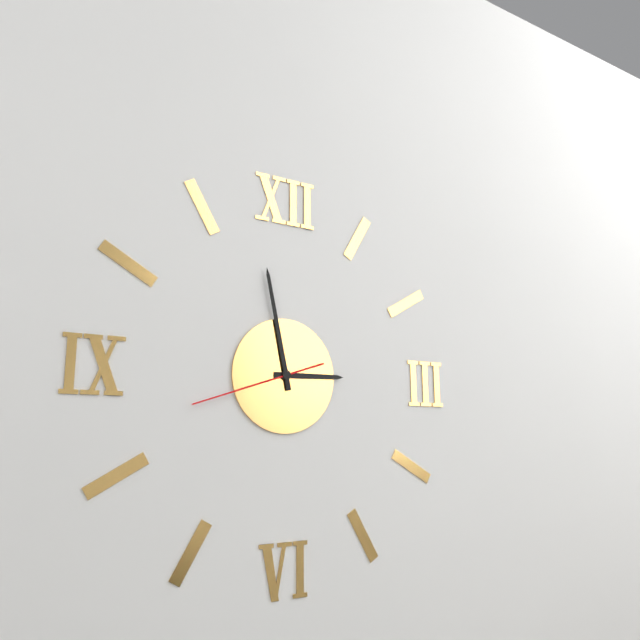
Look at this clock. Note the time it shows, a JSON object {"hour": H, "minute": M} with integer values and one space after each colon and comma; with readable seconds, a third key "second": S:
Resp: {"hour": 2, "minute": 58, "second": 42}
